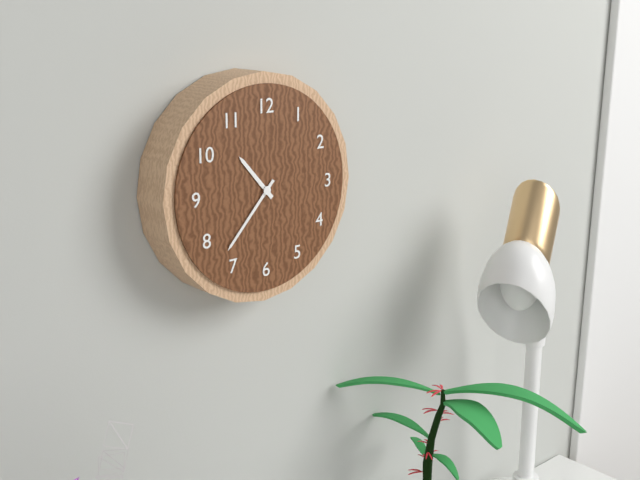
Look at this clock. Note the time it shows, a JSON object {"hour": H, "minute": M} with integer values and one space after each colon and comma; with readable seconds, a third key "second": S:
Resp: {"hour": 10, "minute": 37}
